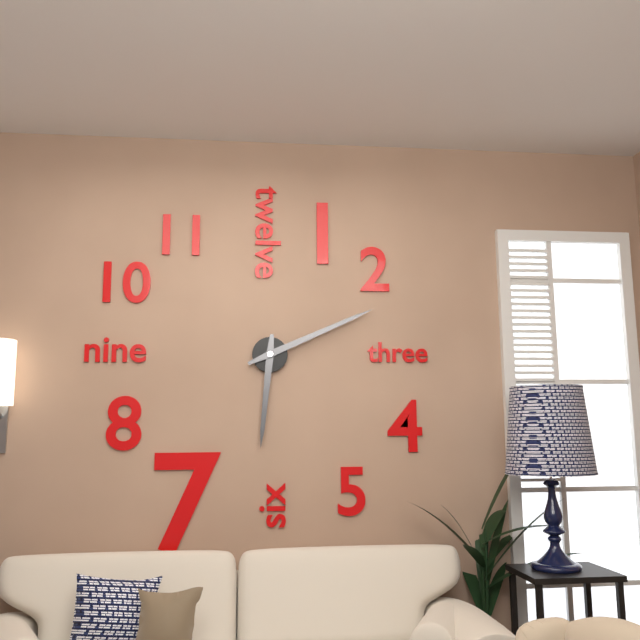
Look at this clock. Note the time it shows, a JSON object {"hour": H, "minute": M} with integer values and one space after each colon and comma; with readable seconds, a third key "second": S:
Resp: {"hour": 6, "minute": 11}
